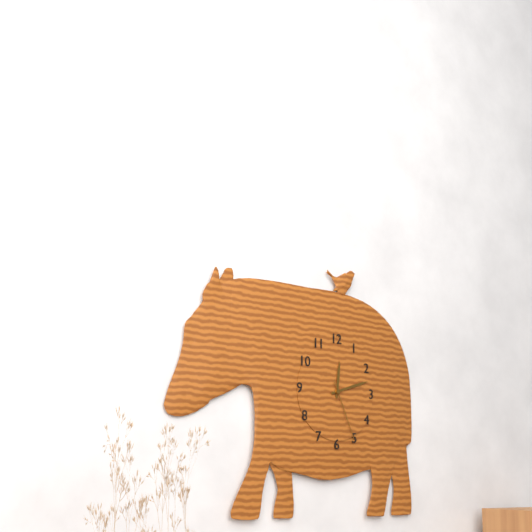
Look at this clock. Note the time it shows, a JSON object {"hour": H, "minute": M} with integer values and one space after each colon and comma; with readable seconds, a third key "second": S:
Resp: {"hour": 12, "minute": 12, "second": 26}
